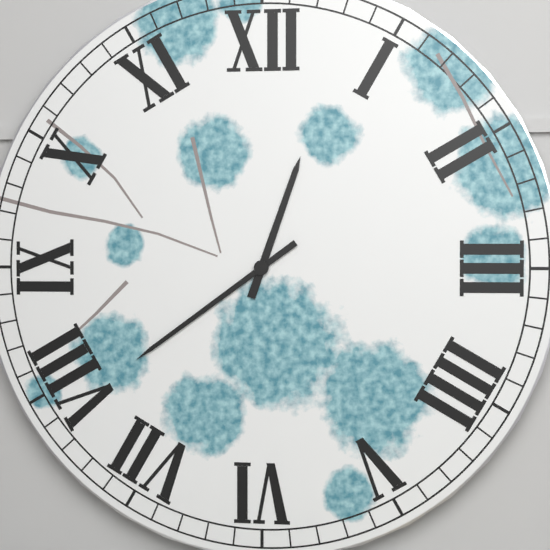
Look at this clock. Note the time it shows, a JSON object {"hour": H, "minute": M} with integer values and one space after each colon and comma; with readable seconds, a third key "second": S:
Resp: {"hour": 12, "minute": 39}
